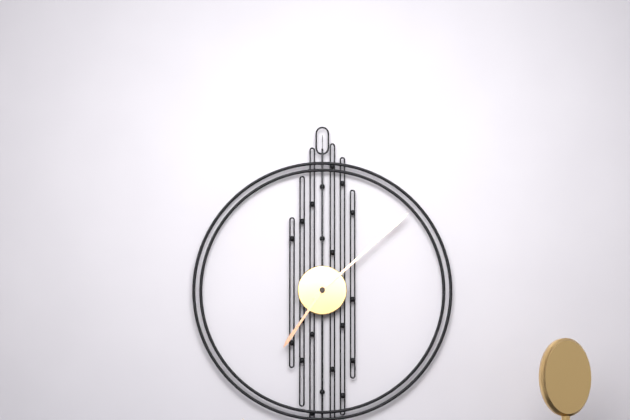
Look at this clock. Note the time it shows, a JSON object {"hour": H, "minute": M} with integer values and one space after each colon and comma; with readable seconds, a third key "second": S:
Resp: {"hour": 7, "minute": 8}
